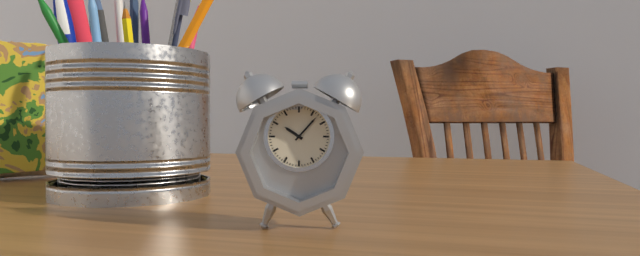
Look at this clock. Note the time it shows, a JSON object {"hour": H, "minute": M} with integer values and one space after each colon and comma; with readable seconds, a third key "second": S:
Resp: {"hour": 10, "minute": 7}
